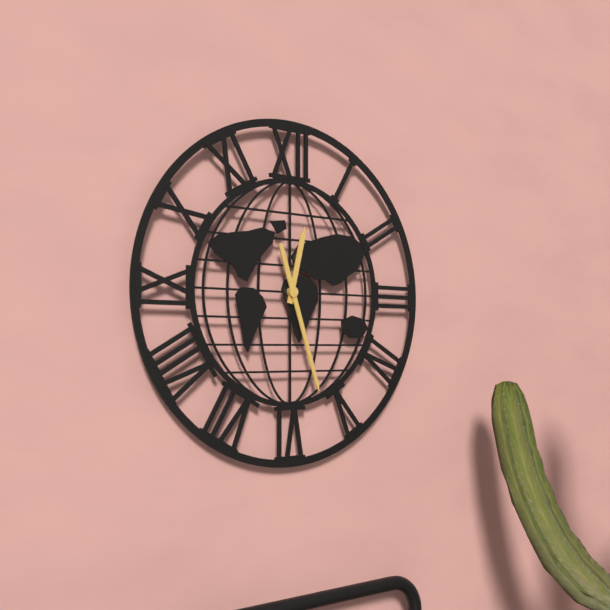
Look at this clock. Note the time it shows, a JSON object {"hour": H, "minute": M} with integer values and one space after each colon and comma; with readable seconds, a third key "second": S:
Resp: {"hour": 12, "minute": 27}
